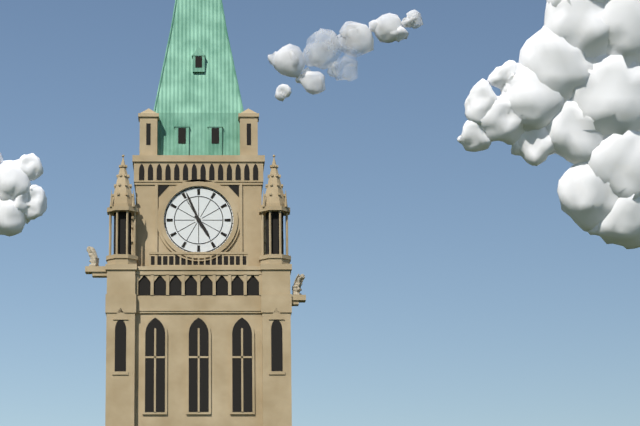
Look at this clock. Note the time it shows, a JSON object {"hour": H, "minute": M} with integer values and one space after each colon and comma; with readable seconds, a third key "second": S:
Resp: {"hour": 4, "minute": 56}
